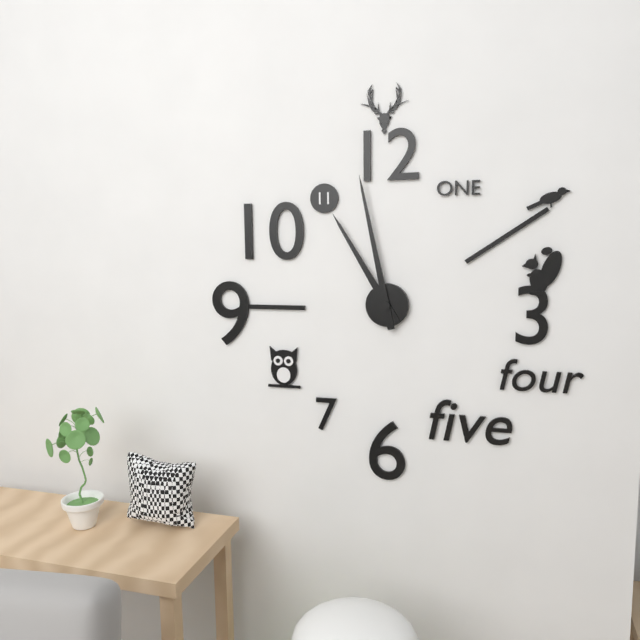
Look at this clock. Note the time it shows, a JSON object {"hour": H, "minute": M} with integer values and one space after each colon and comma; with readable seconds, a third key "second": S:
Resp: {"hour": 10, "minute": 58}
